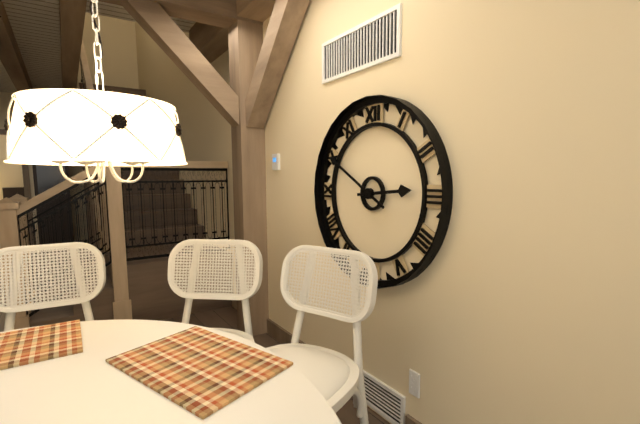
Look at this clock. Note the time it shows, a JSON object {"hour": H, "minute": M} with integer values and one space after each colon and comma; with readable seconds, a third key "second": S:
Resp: {"hour": 2, "minute": 50}
